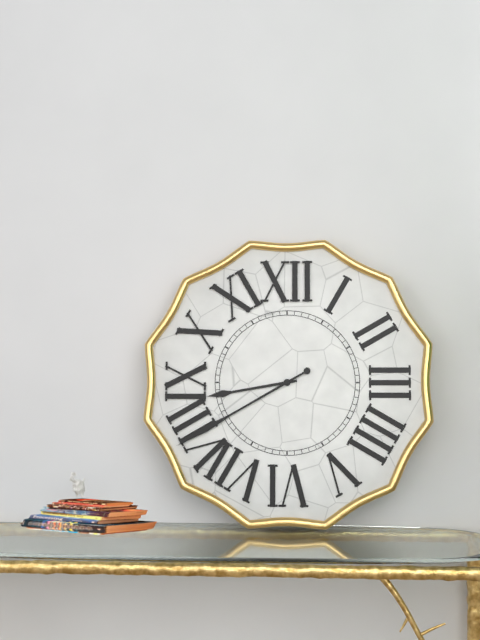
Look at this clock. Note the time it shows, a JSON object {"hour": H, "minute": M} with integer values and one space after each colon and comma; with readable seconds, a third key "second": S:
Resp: {"hour": 8, "minute": 40}
